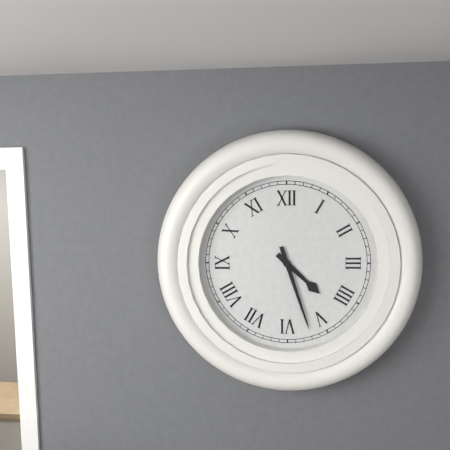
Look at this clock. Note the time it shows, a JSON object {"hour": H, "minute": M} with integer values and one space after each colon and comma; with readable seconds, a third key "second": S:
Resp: {"hour": 4, "minute": 27}
